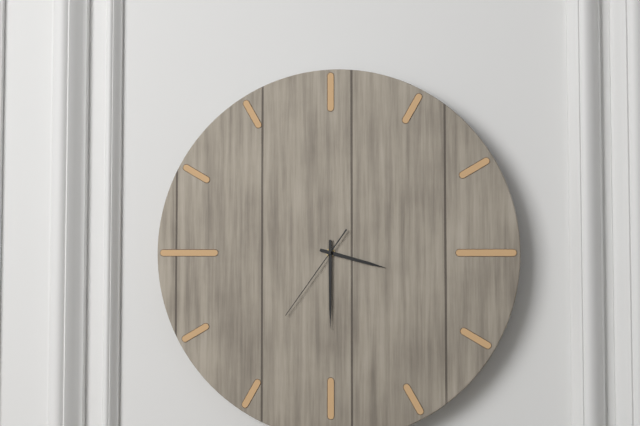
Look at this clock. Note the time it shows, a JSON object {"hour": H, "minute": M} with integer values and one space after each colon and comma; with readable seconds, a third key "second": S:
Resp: {"hour": 3, "minute": 30, "second": 36}
